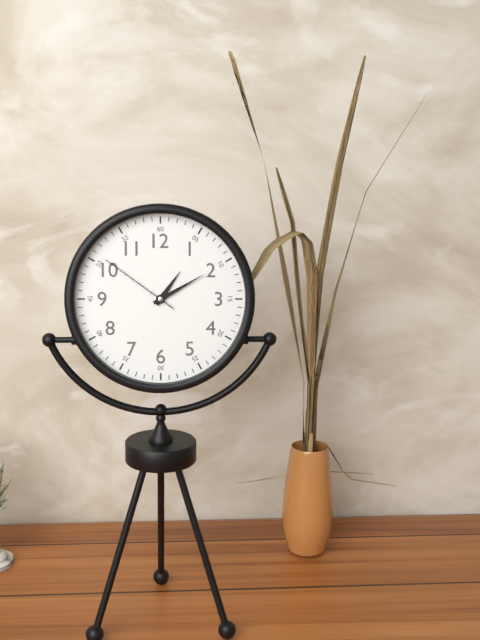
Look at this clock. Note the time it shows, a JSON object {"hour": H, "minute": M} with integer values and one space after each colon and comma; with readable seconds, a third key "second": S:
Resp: {"hour": 1, "minute": 10, "second": 51}
